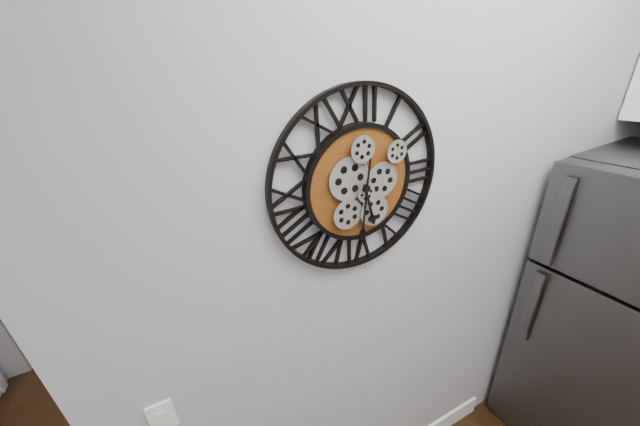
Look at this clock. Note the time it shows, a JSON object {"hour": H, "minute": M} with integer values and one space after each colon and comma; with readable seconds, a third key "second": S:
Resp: {"hour": 5, "minute": 31}
